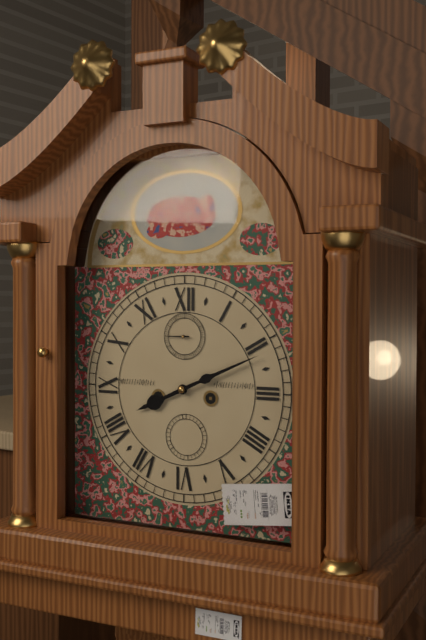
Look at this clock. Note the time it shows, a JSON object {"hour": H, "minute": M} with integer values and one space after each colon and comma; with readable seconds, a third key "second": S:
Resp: {"hour": 8, "minute": 11}
